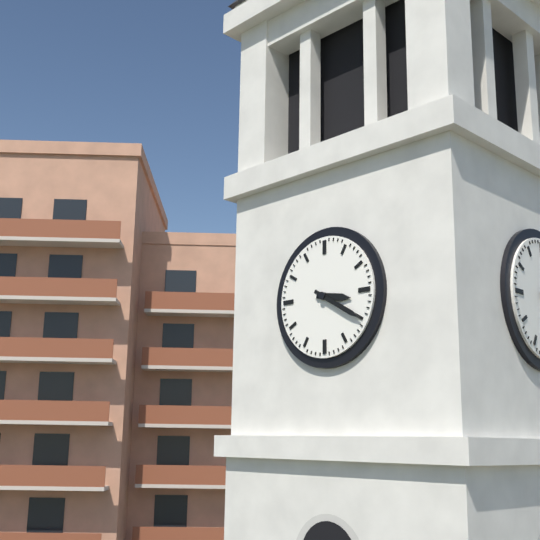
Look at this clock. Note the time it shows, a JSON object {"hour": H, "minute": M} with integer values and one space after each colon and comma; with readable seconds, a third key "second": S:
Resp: {"hour": 3, "minute": 20}
